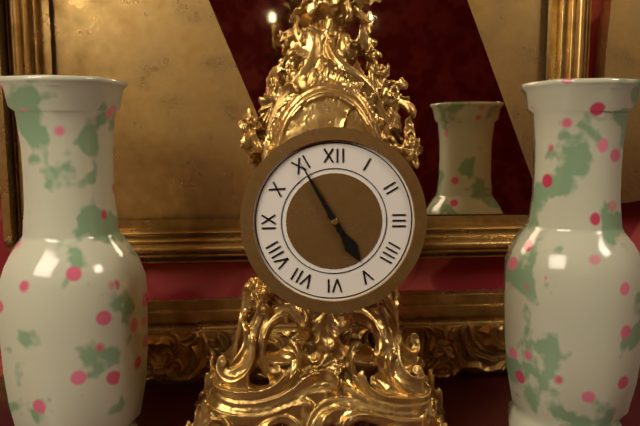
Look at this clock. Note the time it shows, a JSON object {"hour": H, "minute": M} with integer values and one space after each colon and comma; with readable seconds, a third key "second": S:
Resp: {"hour": 4, "minute": 55}
